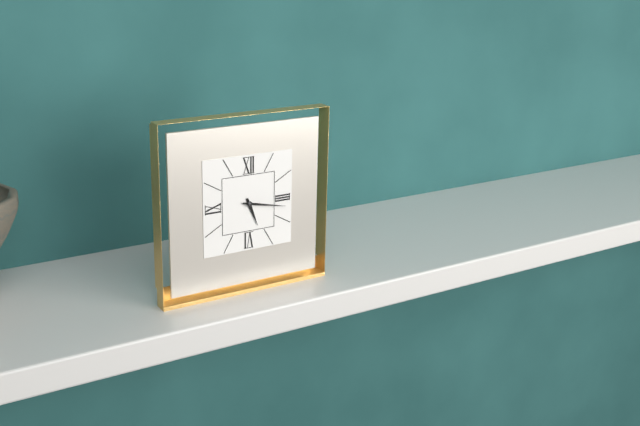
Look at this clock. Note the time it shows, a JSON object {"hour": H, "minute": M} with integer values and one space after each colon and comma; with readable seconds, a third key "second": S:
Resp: {"hour": 5, "minute": 17}
